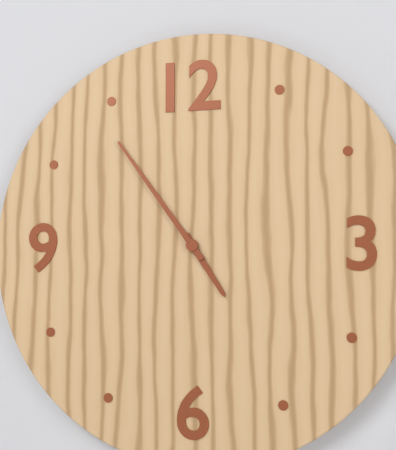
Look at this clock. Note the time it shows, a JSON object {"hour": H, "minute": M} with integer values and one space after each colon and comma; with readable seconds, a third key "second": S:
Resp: {"hour": 4, "minute": 54}
